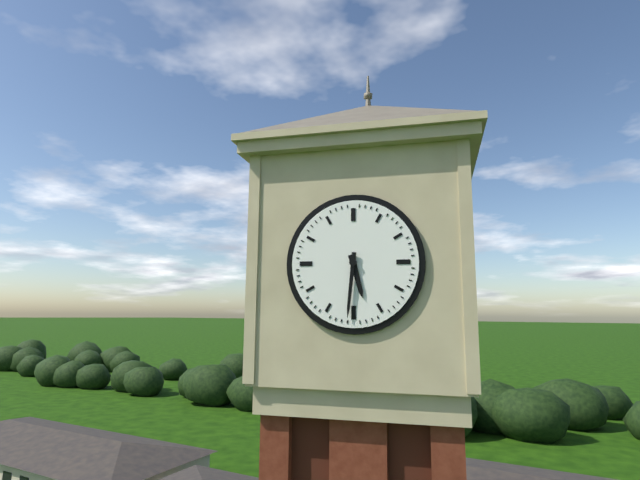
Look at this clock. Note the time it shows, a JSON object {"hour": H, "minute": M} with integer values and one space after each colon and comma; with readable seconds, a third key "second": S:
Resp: {"hour": 5, "minute": 31}
